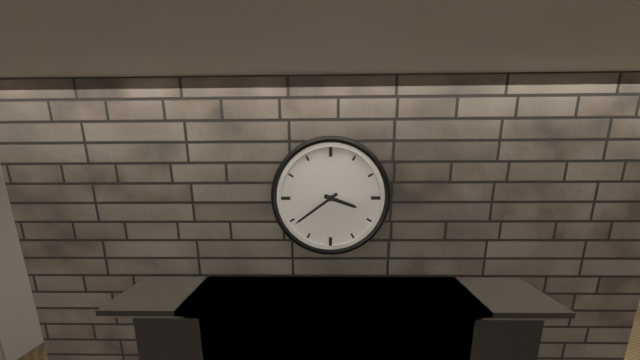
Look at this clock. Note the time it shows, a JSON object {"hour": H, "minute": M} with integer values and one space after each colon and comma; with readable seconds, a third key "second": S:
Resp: {"hour": 3, "minute": 39}
